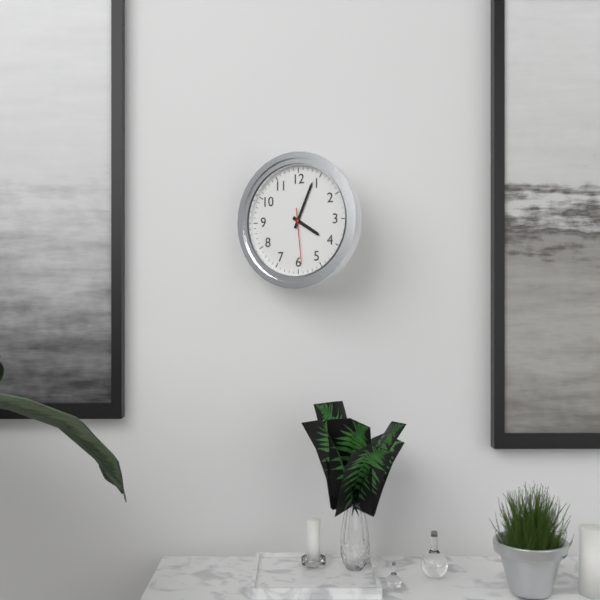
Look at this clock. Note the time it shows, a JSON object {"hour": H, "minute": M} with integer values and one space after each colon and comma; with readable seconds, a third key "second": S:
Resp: {"hour": 4, "minute": 4, "second": 29}
